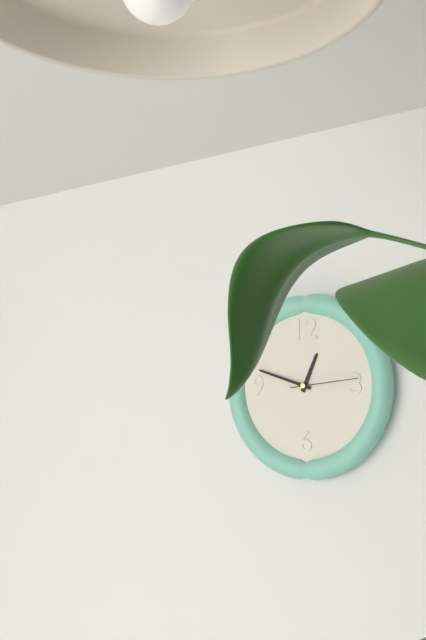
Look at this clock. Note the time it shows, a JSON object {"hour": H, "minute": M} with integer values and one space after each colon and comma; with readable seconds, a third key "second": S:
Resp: {"hour": 12, "minute": 48, "second": 14}
